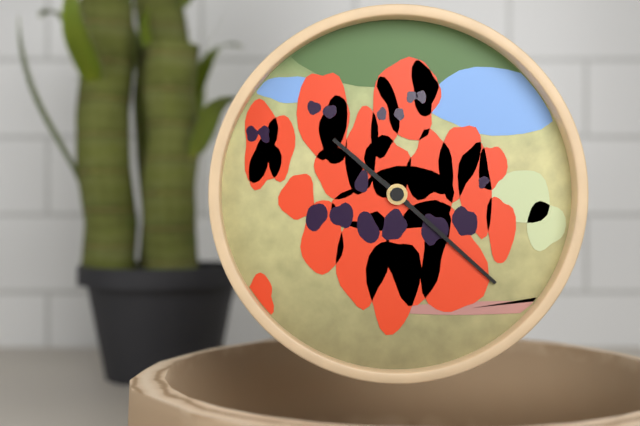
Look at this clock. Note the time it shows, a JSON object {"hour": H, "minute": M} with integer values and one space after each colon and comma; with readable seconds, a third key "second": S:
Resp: {"hour": 10, "minute": 22}
